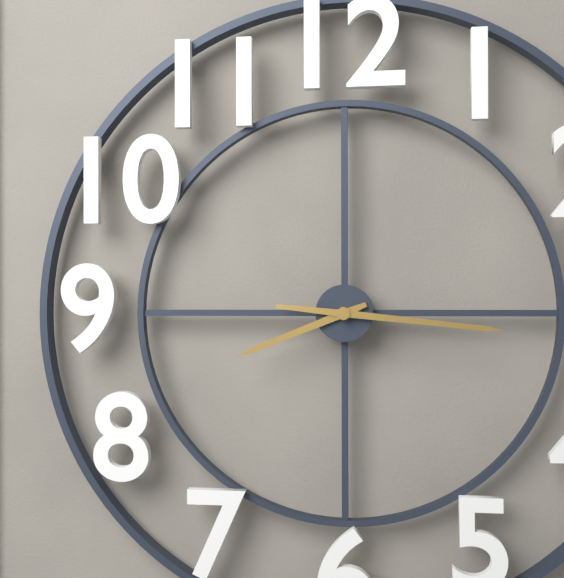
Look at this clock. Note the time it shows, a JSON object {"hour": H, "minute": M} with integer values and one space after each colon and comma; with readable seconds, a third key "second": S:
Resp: {"hour": 8, "minute": 16}
